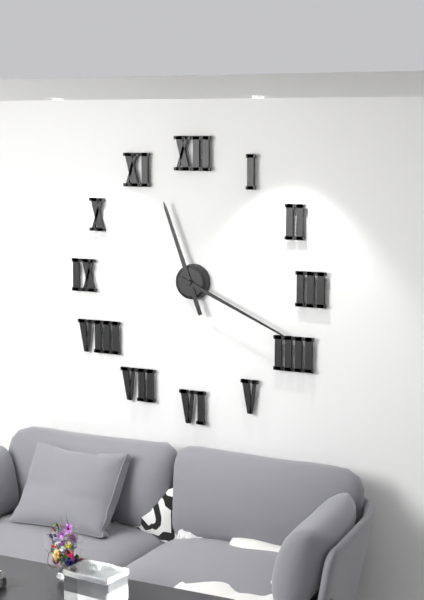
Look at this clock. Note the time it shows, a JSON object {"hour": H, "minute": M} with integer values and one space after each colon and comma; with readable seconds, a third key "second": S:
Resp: {"hour": 11, "minute": 19}
